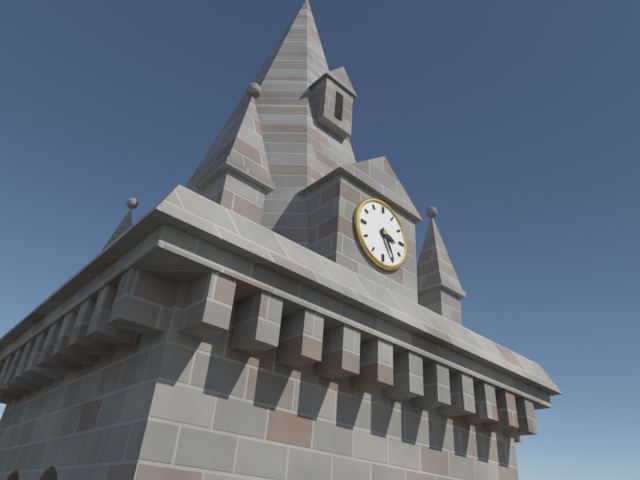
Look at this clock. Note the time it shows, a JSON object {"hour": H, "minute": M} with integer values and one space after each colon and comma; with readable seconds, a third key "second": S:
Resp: {"hour": 3, "minute": 25}
